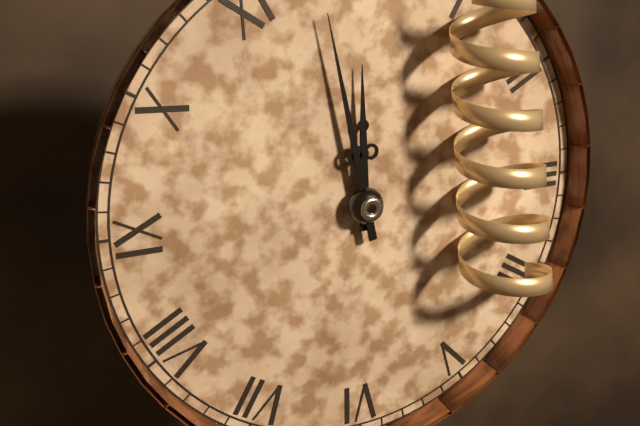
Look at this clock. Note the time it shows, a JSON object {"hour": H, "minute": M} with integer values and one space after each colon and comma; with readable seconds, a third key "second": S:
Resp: {"hour": 11, "minute": 58}
